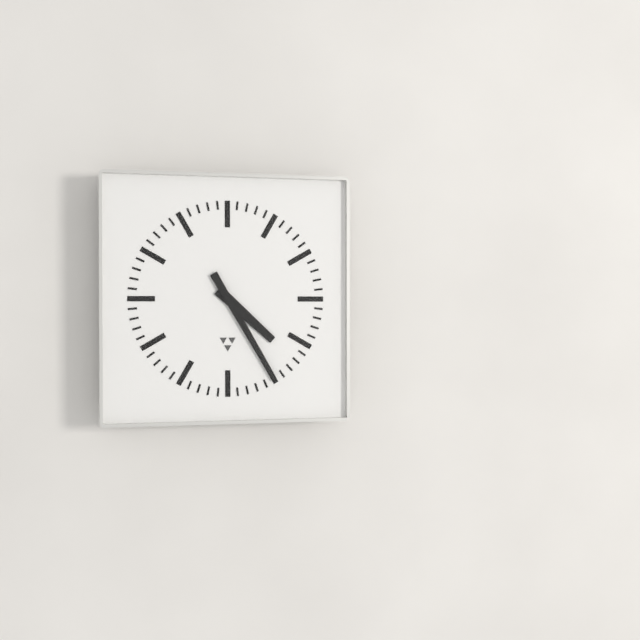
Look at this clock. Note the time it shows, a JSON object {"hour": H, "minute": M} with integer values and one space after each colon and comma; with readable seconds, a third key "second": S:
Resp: {"hour": 4, "minute": 25}
